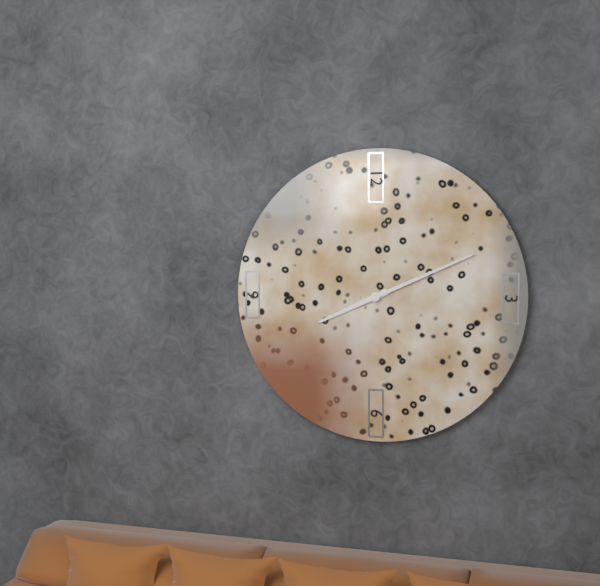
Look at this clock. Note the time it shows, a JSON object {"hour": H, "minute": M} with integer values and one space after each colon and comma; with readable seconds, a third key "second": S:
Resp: {"hour": 8, "minute": 11}
